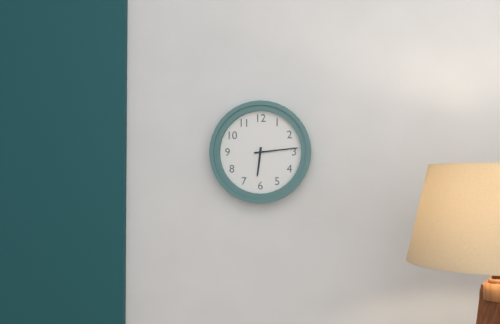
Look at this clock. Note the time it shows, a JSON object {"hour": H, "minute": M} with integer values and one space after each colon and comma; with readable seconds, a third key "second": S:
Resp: {"hour": 6, "minute": 14}
